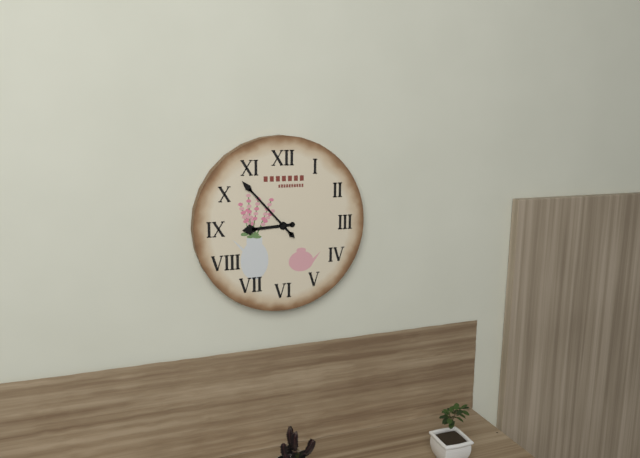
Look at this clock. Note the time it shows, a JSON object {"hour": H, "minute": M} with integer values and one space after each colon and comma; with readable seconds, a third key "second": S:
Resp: {"hour": 8, "minute": 53}
